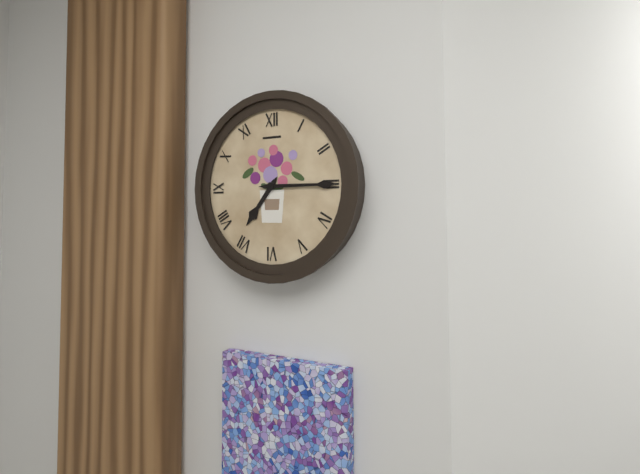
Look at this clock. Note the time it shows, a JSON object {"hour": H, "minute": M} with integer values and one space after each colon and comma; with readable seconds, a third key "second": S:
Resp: {"hour": 7, "minute": 15}
